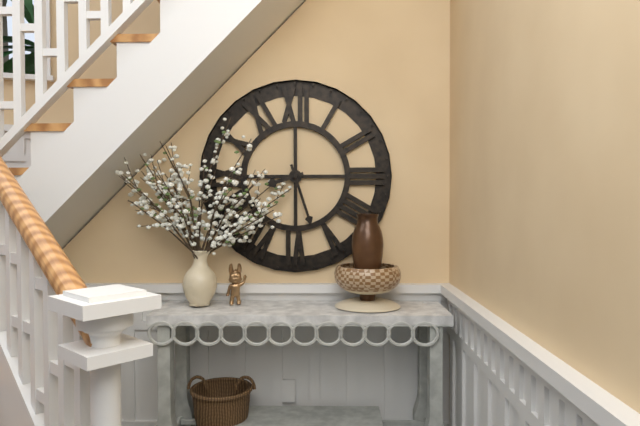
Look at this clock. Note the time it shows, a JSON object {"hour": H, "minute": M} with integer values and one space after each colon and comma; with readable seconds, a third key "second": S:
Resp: {"hour": 8, "minute": 27}
